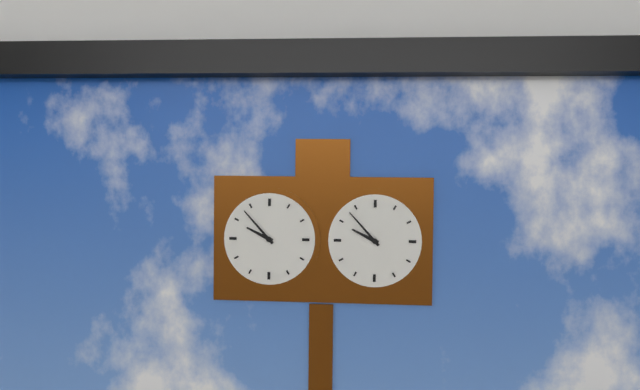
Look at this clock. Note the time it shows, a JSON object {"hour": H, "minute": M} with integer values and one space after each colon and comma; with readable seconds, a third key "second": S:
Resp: {"hour": 9, "minute": 53}
